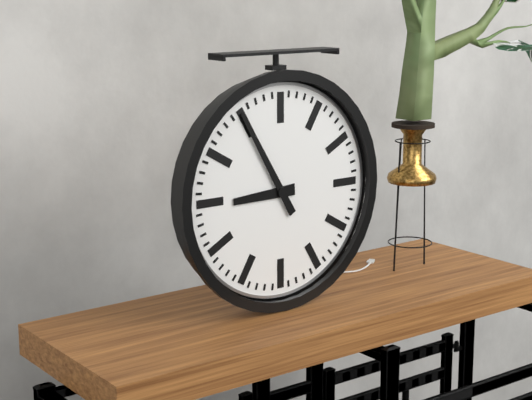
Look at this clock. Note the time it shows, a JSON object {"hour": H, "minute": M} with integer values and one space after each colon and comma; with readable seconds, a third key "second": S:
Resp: {"hour": 8, "minute": 55}
